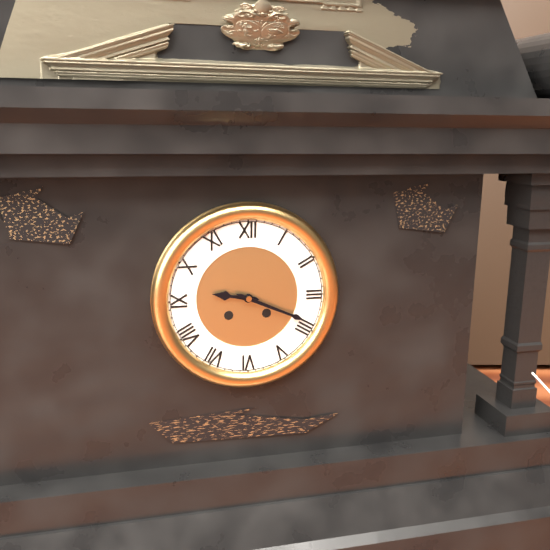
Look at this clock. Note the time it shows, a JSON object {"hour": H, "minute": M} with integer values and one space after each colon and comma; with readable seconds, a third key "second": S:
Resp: {"hour": 9, "minute": 19}
